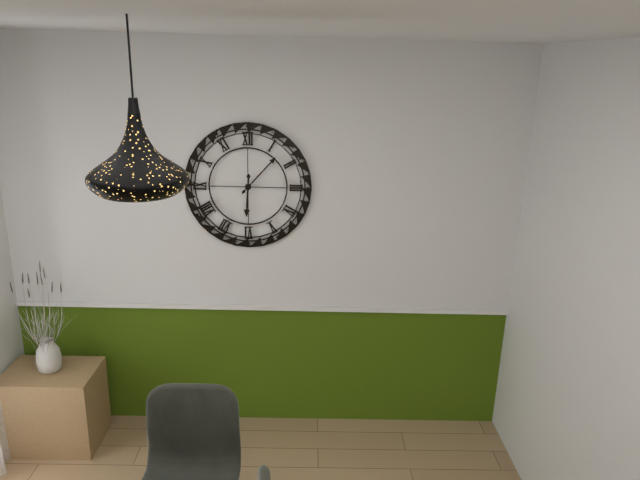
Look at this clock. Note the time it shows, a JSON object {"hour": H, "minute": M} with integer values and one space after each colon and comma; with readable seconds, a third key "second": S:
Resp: {"hour": 6, "minute": 7}
